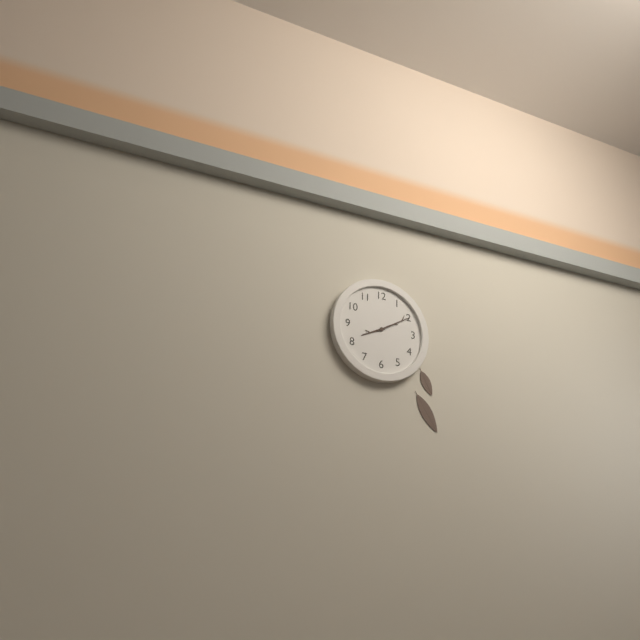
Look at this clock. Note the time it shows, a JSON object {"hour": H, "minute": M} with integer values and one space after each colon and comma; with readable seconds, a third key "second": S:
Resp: {"hour": 8, "minute": 10}
